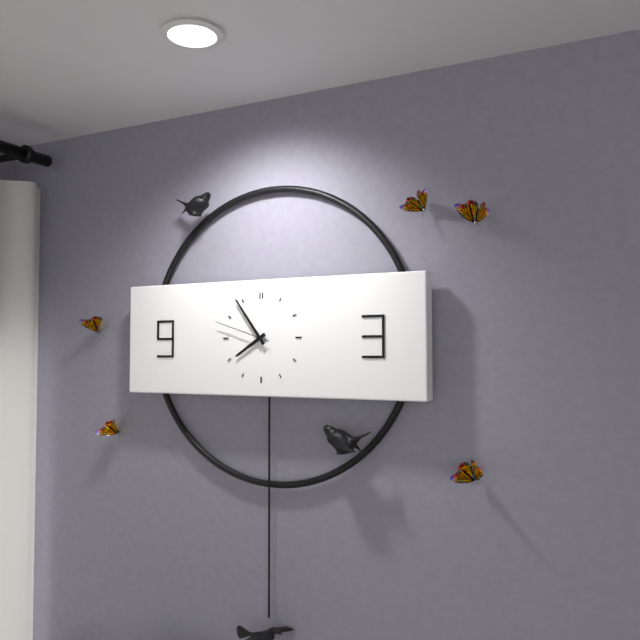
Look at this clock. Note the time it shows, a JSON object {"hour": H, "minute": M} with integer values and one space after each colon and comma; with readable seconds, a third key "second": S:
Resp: {"hour": 7, "minute": 54, "second": 48}
